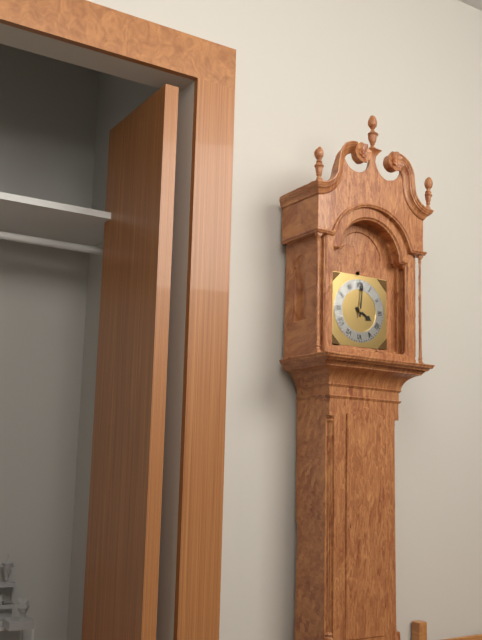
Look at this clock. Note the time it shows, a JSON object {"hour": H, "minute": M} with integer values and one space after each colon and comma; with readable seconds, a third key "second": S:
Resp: {"hour": 4, "minute": 1}
